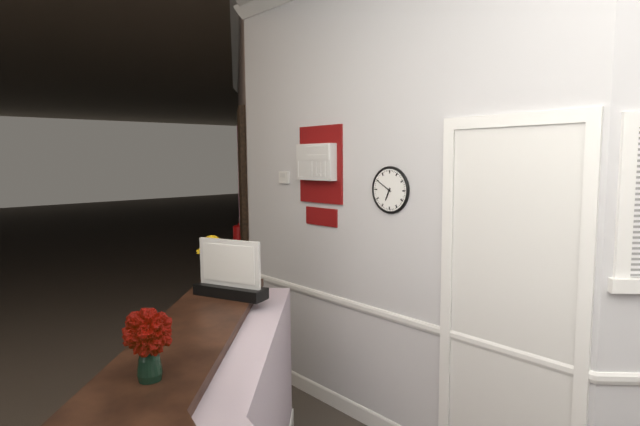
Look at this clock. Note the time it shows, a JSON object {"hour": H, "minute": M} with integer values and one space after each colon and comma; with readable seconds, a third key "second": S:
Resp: {"hour": 6, "minute": 50}
